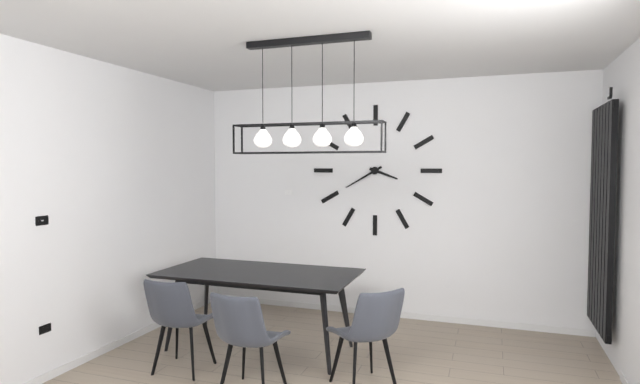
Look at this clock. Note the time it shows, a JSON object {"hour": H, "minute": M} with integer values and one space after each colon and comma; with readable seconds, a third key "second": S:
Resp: {"hour": 3, "minute": 40}
